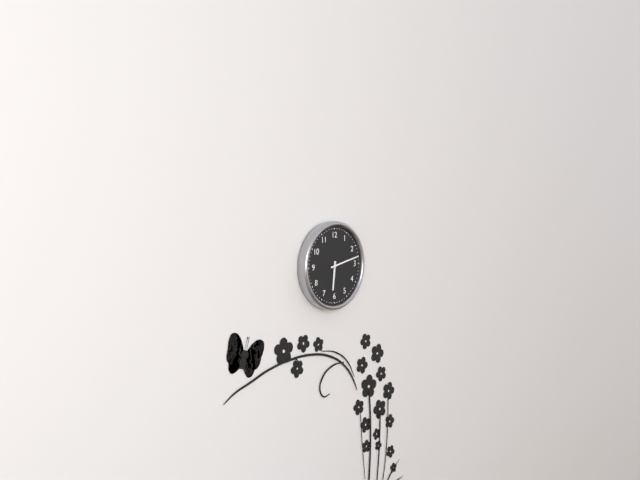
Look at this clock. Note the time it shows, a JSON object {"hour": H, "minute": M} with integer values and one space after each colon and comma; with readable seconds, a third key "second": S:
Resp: {"hour": 6, "minute": 13}
